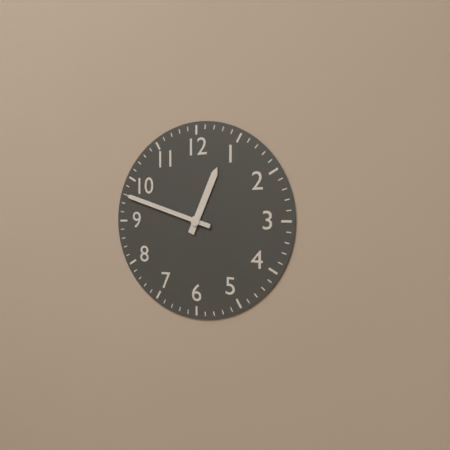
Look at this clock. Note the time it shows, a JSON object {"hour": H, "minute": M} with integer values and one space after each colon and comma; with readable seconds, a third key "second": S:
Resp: {"hour": 12, "minute": 48}
